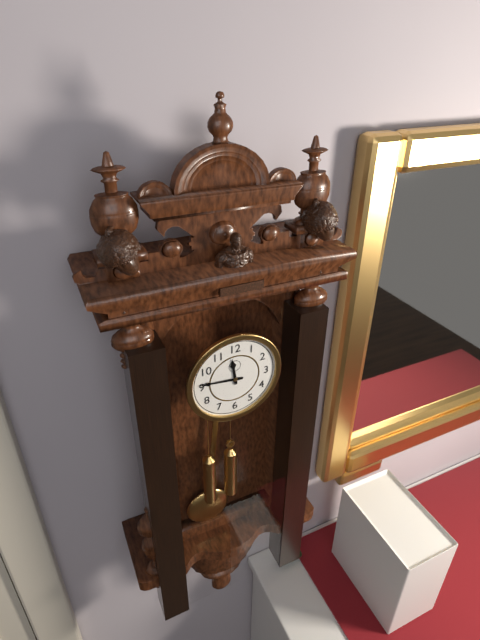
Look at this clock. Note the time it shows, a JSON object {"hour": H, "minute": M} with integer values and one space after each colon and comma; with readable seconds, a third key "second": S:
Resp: {"hour": 11, "minute": 46}
